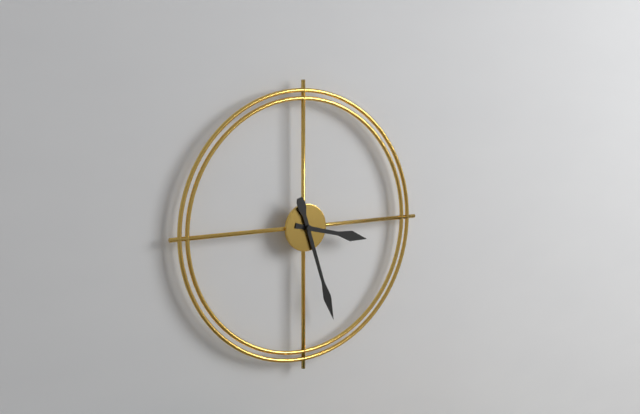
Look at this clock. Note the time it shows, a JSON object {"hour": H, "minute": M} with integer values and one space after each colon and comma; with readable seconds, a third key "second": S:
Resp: {"hour": 3, "minute": 27}
